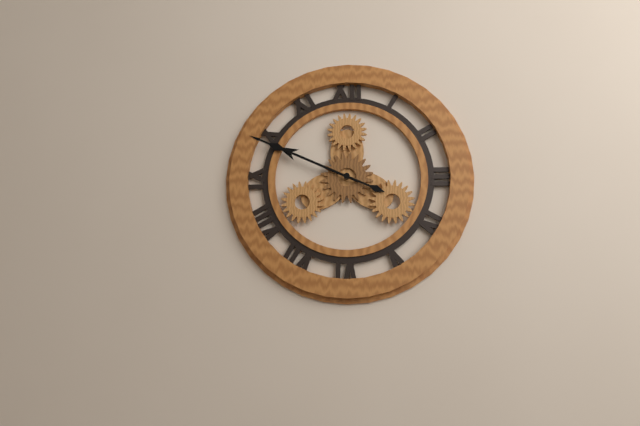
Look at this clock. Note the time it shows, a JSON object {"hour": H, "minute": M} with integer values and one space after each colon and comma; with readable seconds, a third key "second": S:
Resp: {"hour": 9, "minute": 49}
